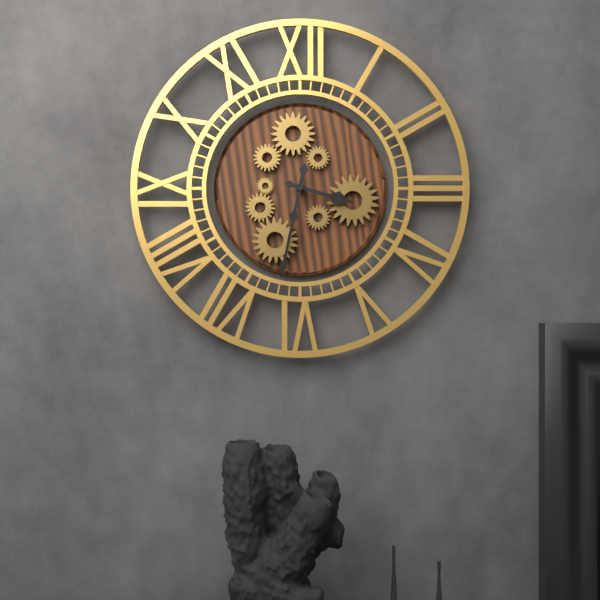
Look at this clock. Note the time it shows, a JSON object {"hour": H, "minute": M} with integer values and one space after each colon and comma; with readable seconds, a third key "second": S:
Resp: {"hour": 3, "minute": 32}
